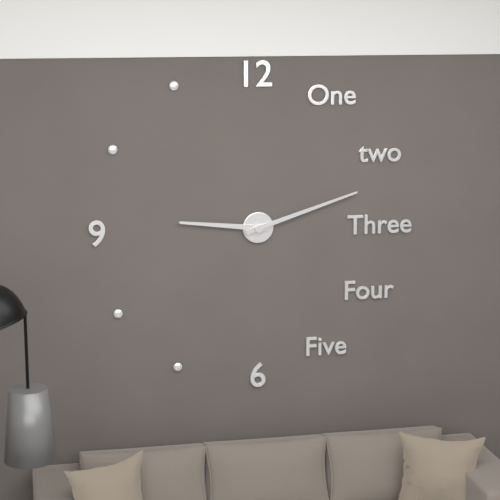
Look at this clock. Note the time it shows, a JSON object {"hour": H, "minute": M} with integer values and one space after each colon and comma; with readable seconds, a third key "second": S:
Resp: {"hour": 9, "minute": 12}
